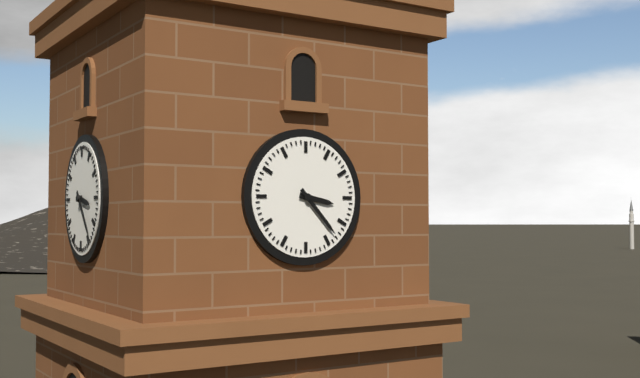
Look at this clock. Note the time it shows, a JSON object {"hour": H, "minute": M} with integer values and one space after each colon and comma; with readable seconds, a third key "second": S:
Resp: {"hour": 3, "minute": 23}
